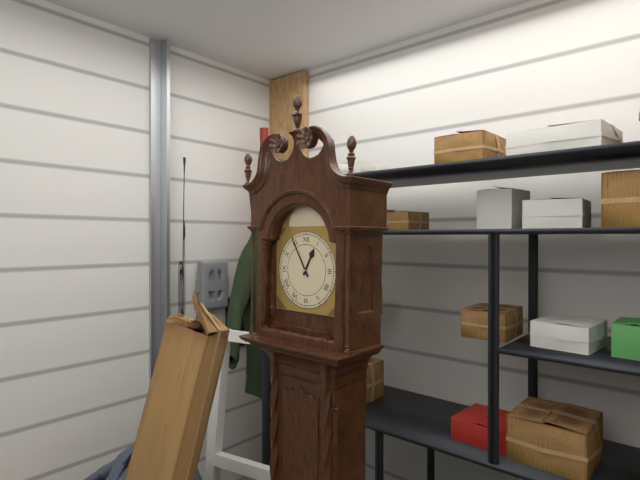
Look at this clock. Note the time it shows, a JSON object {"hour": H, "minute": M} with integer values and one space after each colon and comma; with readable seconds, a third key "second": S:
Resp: {"hour": 12, "minute": 55}
